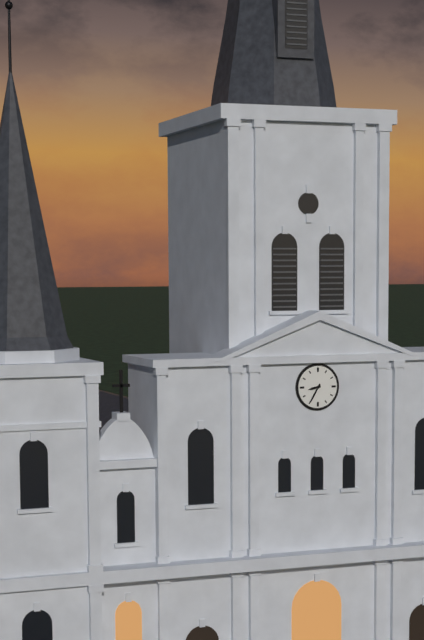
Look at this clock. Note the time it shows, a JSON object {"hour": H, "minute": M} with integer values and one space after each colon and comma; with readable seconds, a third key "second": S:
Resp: {"hour": 8, "minute": 35}
